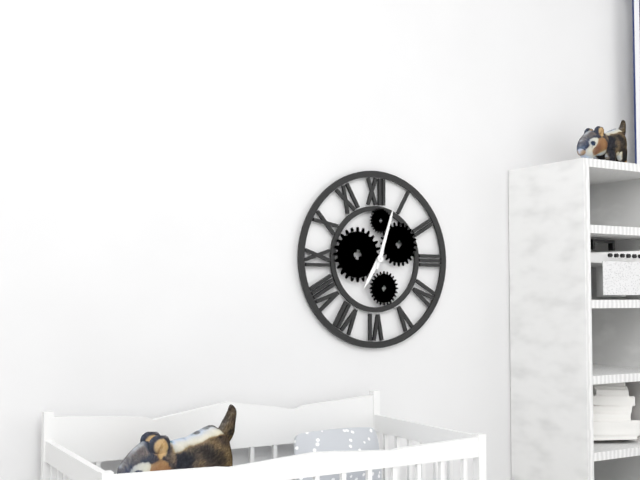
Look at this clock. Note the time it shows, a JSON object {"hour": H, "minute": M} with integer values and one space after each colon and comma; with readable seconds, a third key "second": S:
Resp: {"hour": 7, "minute": 3}
